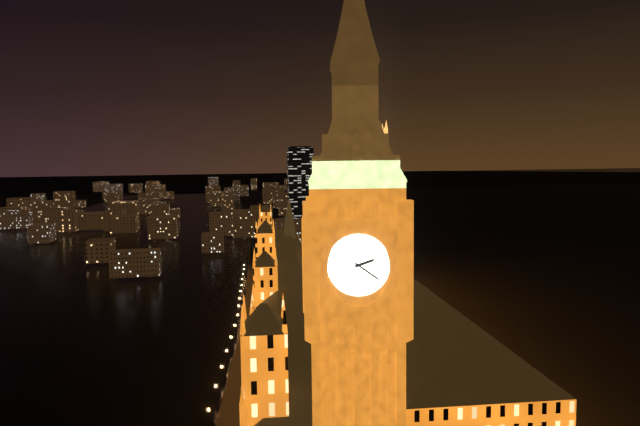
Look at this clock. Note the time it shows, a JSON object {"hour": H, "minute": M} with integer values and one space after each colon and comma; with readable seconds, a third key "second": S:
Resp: {"hour": 2, "minute": 21}
